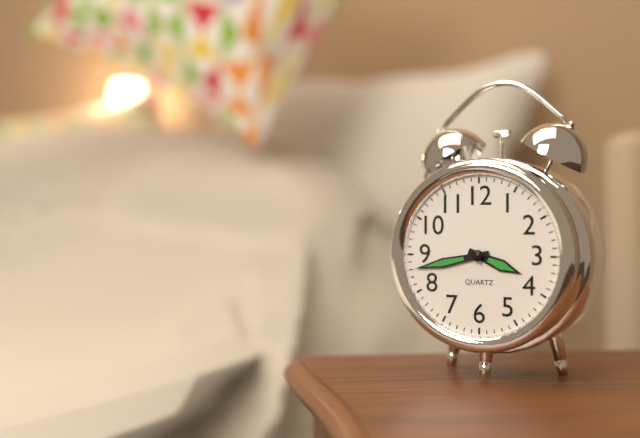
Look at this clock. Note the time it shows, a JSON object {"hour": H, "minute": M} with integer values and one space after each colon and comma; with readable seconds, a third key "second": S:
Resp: {"hour": 3, "minute": 43}
